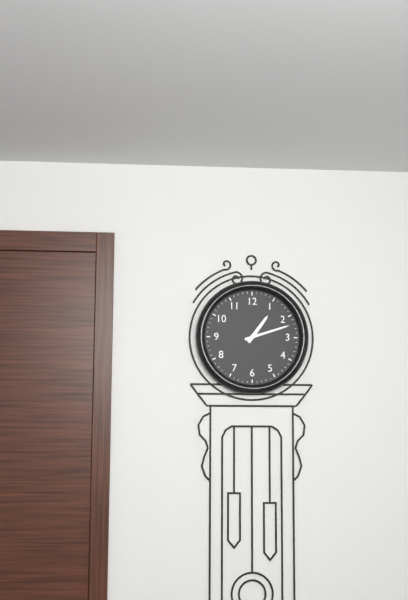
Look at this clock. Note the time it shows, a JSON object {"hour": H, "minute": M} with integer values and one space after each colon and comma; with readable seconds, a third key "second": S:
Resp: {"hour": 1, "minute": 12}
